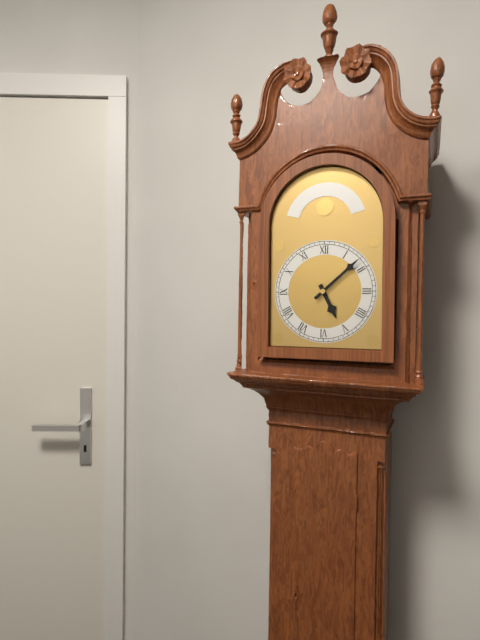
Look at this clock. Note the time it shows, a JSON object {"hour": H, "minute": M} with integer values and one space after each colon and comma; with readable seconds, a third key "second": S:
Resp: {"hour": 5, "minute": 8}
